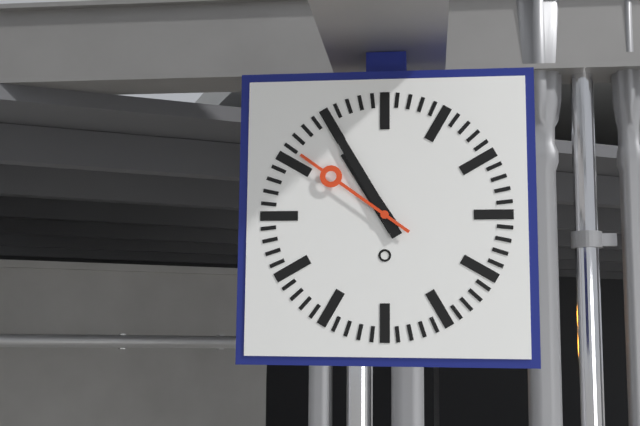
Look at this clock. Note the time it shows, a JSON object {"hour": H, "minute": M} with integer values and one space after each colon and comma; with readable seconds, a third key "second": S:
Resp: {"hour": 10, "minute": 55, "second": 51}
